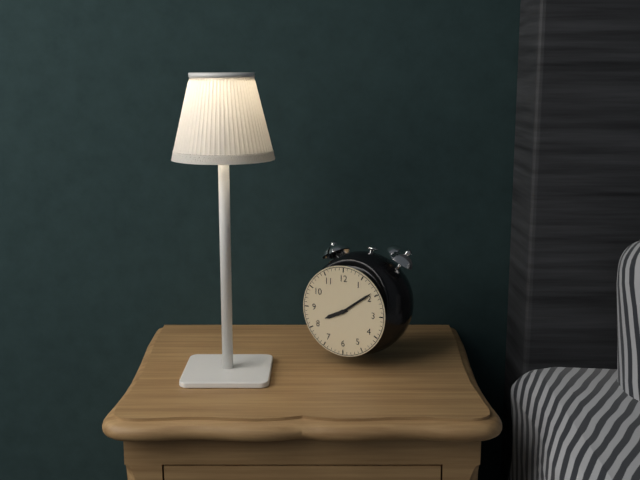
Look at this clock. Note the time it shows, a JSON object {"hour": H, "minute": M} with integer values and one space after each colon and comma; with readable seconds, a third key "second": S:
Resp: {"hour": 8, "minute": 9}
